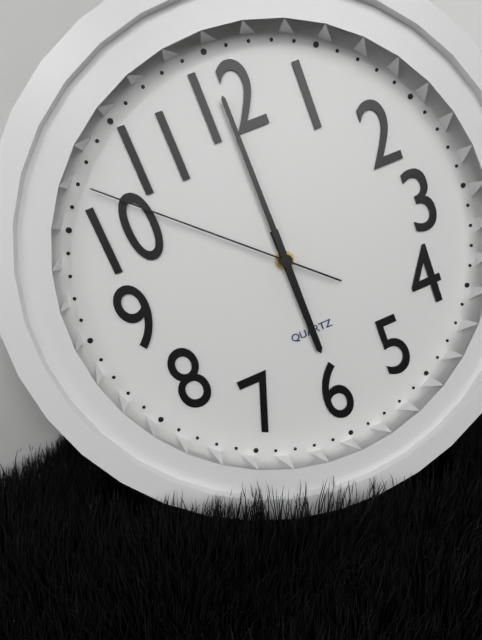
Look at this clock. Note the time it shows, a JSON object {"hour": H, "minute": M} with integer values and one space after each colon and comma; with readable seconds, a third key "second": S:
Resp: {"hour": 6, "minute": 0, "second": 52}
